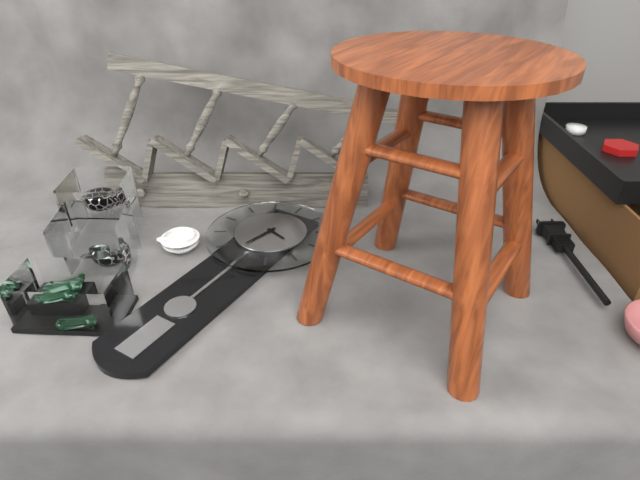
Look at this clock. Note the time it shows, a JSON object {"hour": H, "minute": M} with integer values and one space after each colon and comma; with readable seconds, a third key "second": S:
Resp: {"hour": 3, "minute": 32}
